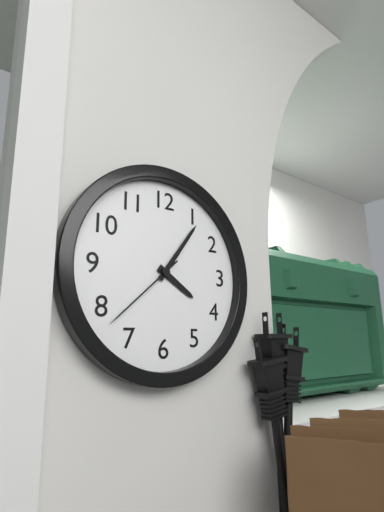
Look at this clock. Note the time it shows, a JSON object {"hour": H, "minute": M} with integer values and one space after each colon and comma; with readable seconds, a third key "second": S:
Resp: {"hour": 4, "minute": 6, "second": 38}
